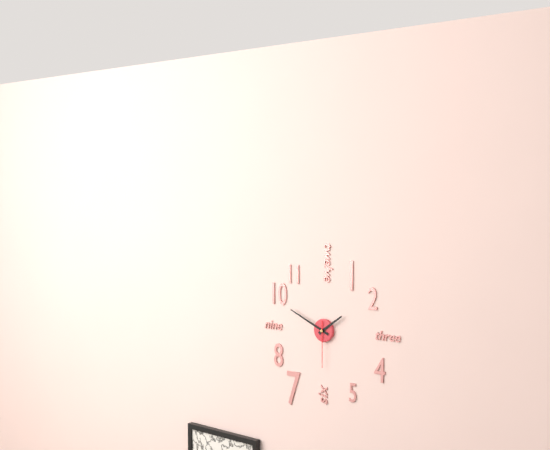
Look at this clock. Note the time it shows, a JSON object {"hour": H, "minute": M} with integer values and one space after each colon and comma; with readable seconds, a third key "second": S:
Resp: {"hour": 1, "minute": 49}
